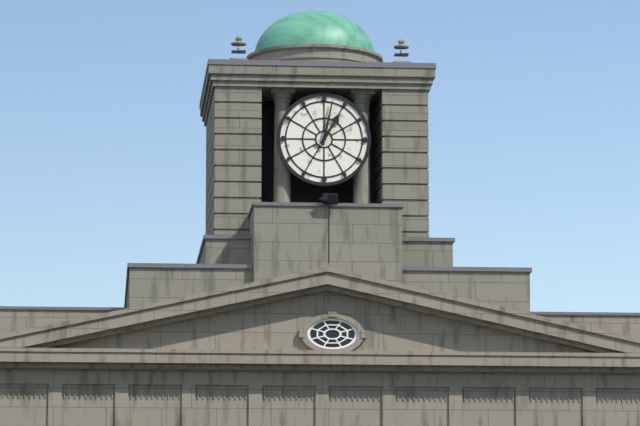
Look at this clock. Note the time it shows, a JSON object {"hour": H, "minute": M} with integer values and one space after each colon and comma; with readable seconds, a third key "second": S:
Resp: {"hour": 1, "minute": 2}
